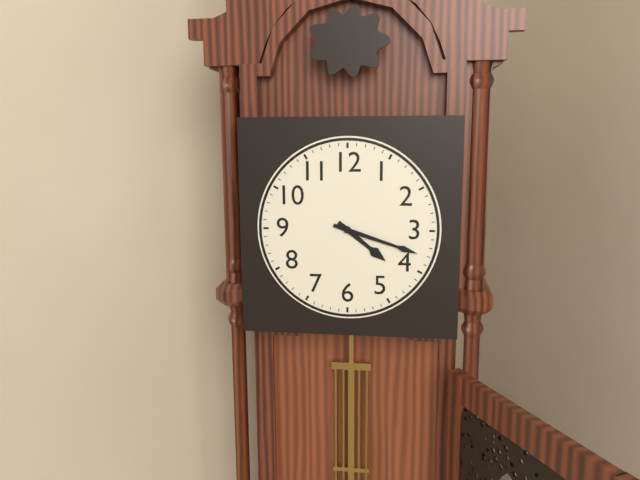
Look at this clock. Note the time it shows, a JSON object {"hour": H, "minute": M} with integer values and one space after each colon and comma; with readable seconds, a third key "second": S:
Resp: {"hour": 4, "minute": 18}
